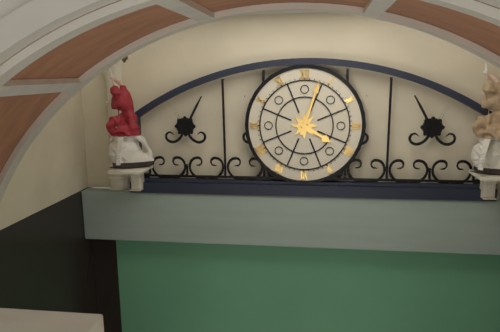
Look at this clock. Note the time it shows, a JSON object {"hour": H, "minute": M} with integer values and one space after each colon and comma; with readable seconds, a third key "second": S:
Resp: {"hour": 4, "minute": 3}
